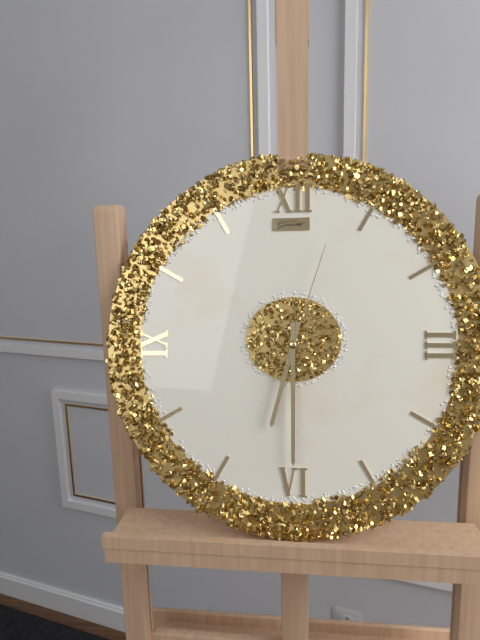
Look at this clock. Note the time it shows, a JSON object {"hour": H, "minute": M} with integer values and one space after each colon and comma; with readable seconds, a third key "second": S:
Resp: {"hour": 6, "minute": 30, "second": 3}
